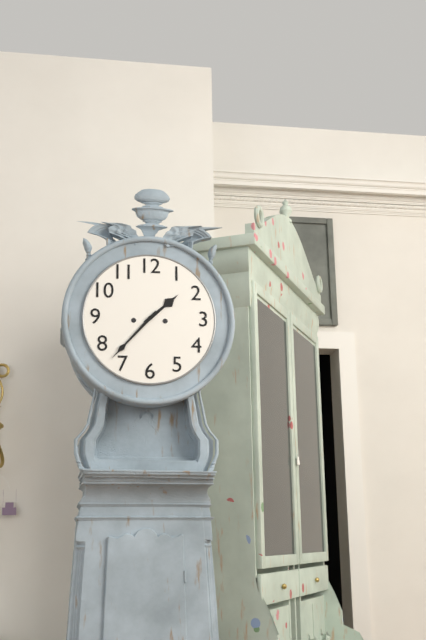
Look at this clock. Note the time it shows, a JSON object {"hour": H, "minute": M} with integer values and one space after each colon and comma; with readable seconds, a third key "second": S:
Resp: {"hour": 1, "minute": 37}
